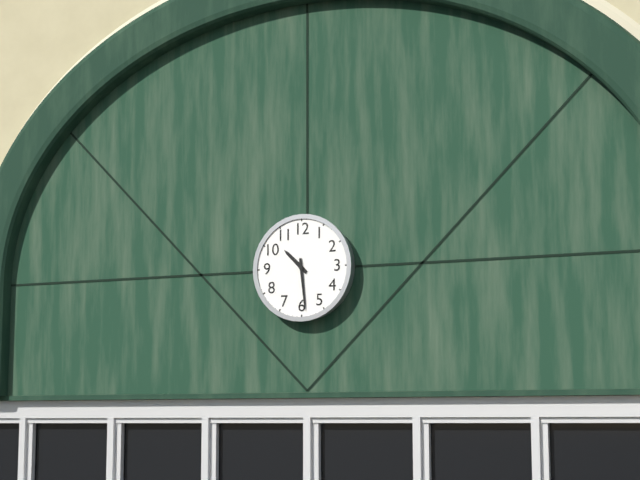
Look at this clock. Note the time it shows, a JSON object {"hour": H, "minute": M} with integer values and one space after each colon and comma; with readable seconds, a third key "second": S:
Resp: {"hour": 10, "minute": 29}
